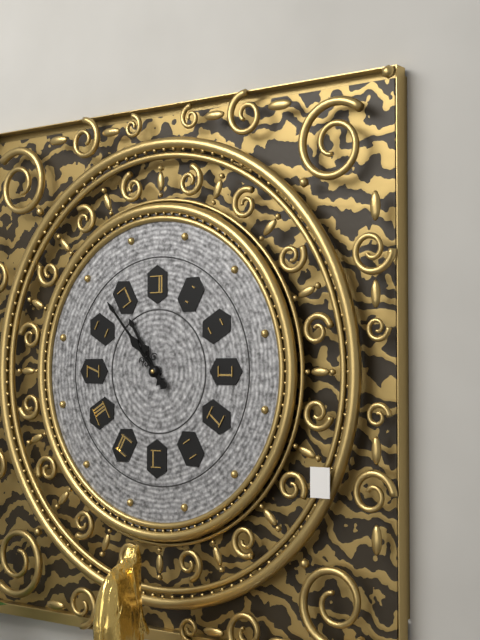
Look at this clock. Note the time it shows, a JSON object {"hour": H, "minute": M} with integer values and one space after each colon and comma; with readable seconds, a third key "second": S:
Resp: {"hour": 10, "minute": 53}
